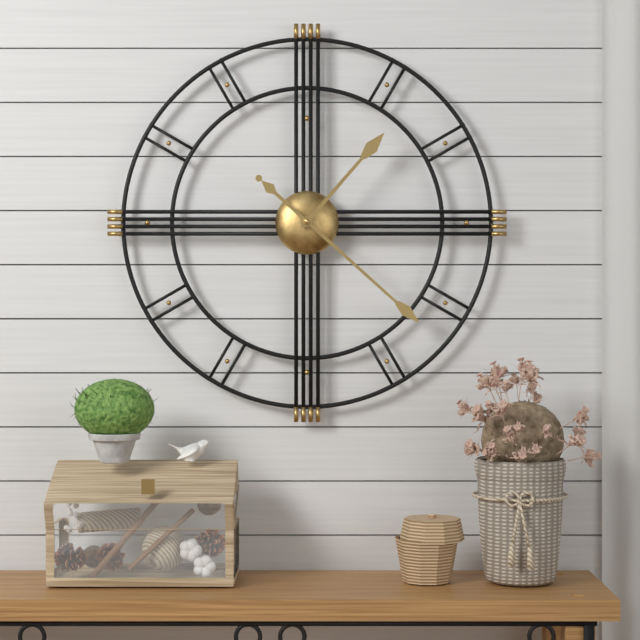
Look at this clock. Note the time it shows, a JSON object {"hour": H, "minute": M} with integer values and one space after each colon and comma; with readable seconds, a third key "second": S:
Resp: {"hour": 1, "minute": 22}
